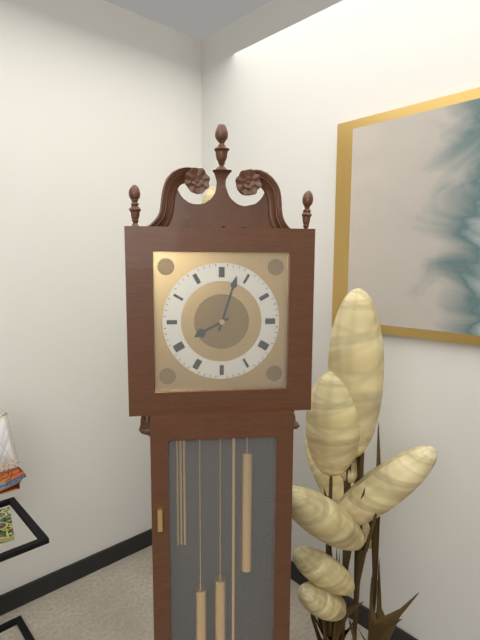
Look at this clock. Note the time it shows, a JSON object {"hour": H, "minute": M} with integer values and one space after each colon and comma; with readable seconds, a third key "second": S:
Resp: {"hour": 8, "minute": 3}
